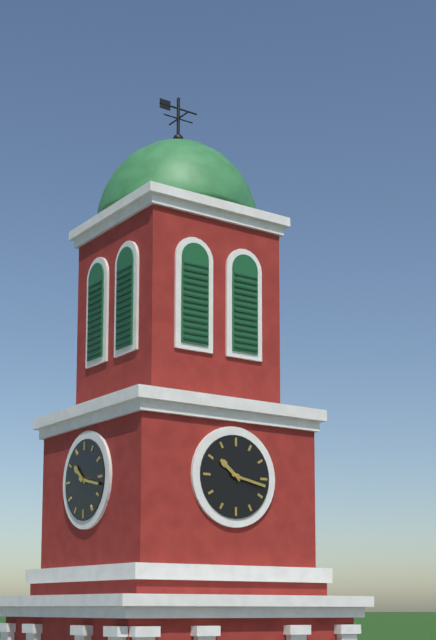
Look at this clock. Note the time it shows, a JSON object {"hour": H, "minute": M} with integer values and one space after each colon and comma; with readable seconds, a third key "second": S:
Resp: {"hour": 10, "minute": 17}
